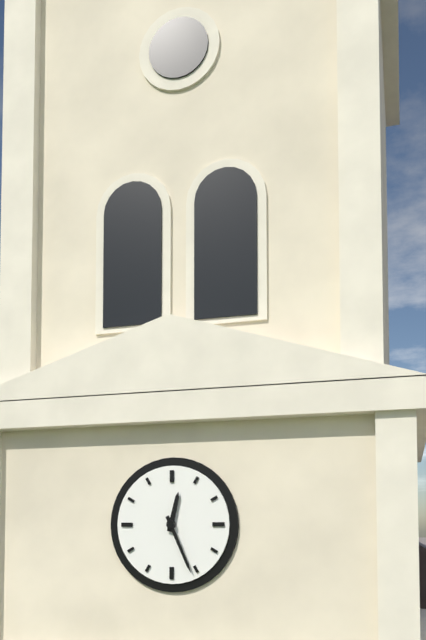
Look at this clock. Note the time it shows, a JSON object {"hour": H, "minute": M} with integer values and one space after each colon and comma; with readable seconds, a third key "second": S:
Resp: {"hour": 12, "minute": 26}
